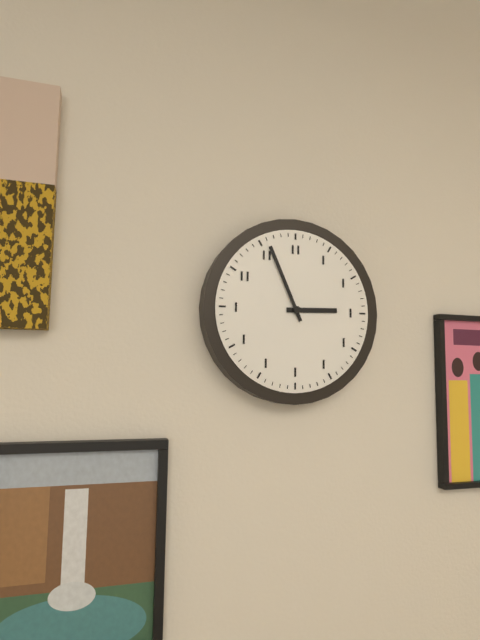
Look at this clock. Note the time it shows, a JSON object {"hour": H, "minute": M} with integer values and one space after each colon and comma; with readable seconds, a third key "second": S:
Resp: {"hour": 2, "minute": 56}
